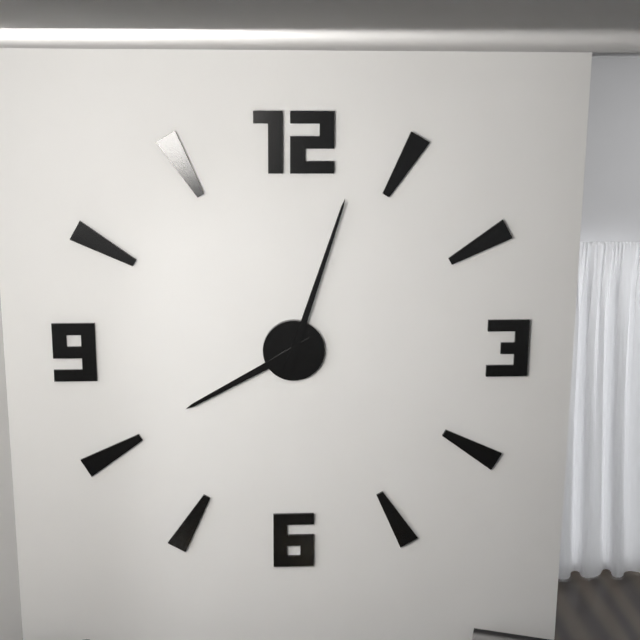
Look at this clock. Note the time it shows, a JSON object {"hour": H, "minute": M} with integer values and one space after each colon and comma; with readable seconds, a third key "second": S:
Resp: {"hour": 8, "minute": 3}
